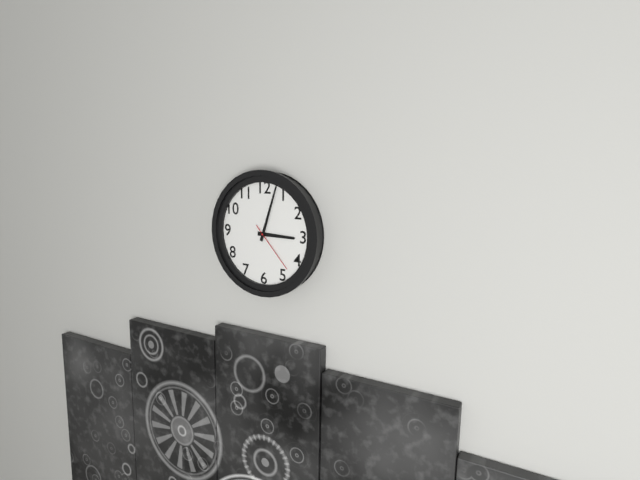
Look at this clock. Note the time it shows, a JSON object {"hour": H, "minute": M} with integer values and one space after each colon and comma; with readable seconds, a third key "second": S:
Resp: {"hour": 3, "minute": 3, "second": 23}
